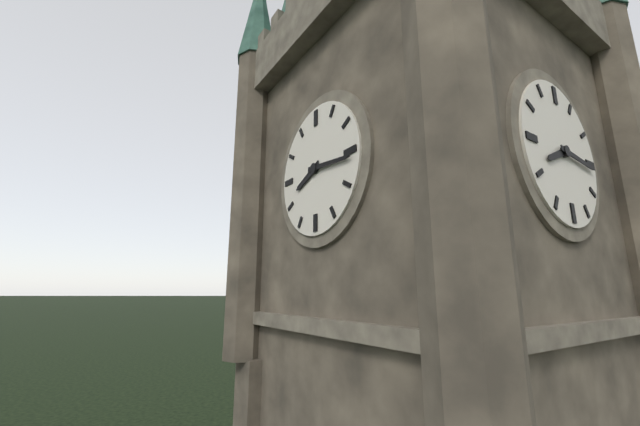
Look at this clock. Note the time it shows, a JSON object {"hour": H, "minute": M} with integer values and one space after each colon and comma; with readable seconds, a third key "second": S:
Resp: {"hour": 8, "minute": 16}
